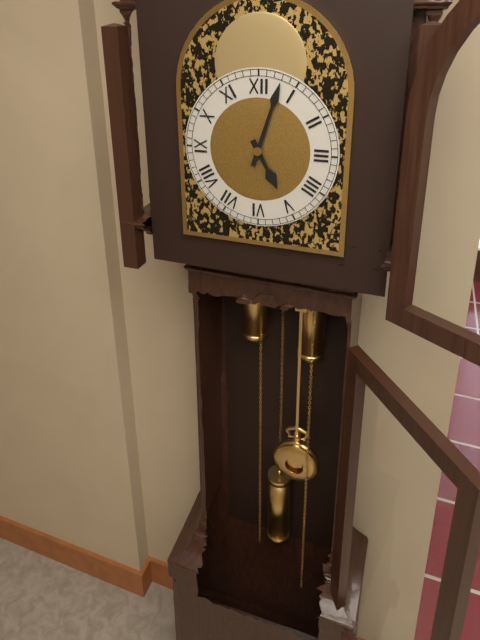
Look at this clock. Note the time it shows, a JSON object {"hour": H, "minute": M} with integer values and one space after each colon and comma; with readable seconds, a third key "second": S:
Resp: {"hour": 5, "minute": 3}
